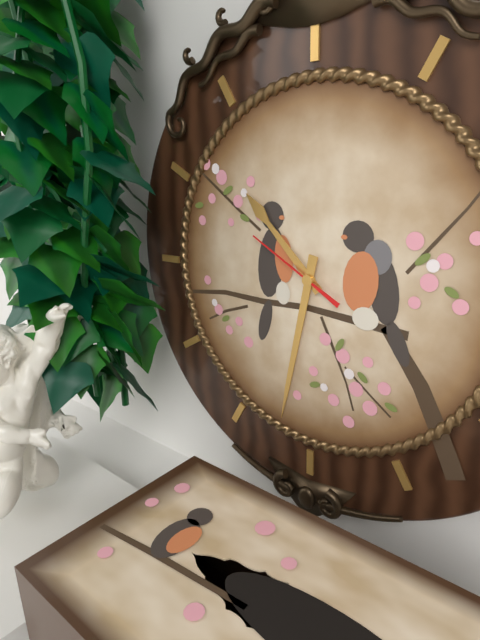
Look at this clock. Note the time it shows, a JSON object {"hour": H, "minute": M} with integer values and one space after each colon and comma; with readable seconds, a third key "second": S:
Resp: {"hour": 10, "minute": 32, "second": 50}
